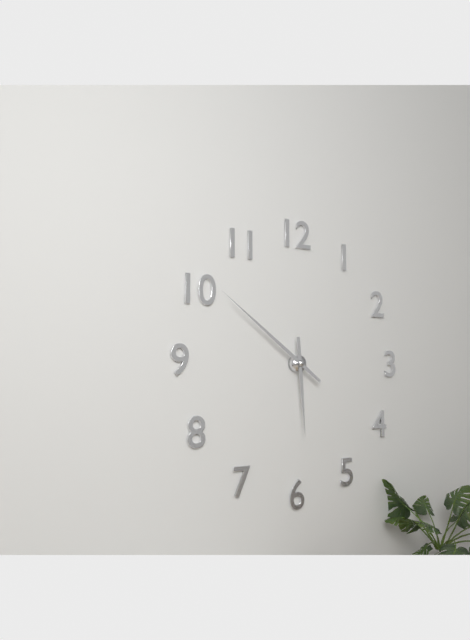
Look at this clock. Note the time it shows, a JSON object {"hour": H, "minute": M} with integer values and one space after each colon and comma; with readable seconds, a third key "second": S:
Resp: {"hour": 5, "minute": 51}
